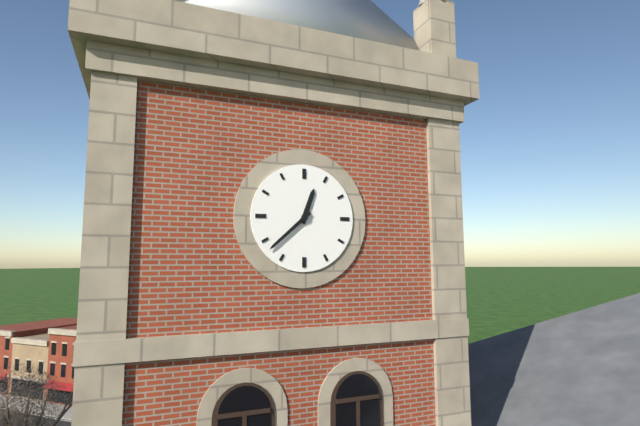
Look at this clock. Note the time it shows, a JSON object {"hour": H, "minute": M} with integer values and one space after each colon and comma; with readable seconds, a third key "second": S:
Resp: {"hour": 12, "minute": 38}
